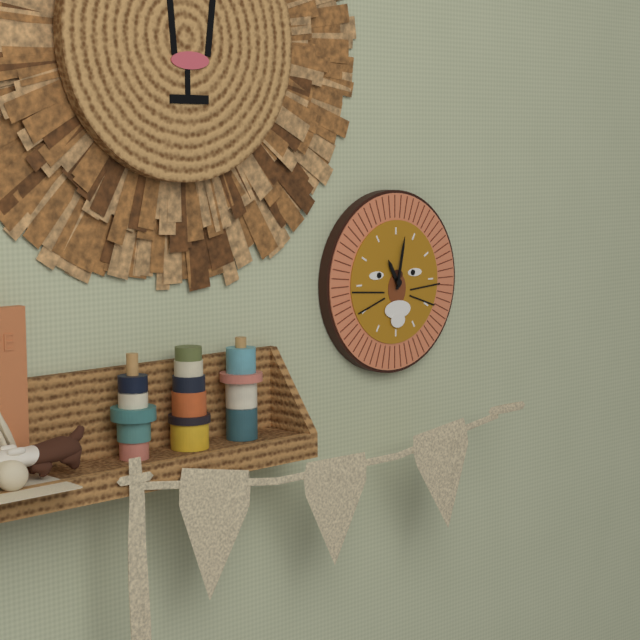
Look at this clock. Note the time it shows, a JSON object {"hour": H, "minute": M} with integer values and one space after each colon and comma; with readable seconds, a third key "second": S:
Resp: {"hour": 11, "minute": 2}
